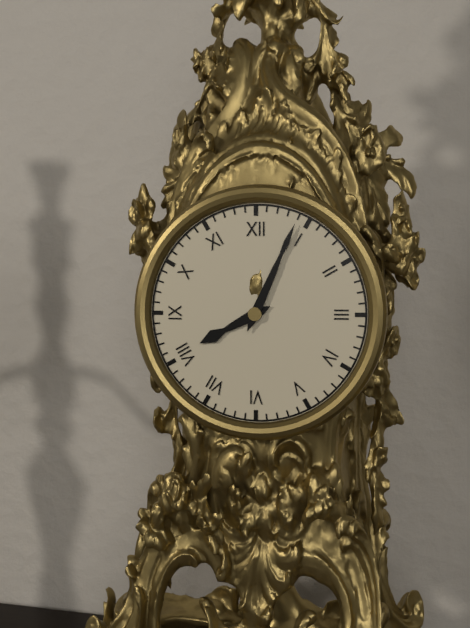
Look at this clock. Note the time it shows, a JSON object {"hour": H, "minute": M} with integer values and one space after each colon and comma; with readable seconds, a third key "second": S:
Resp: {"hour": 8, "minute": 4}
